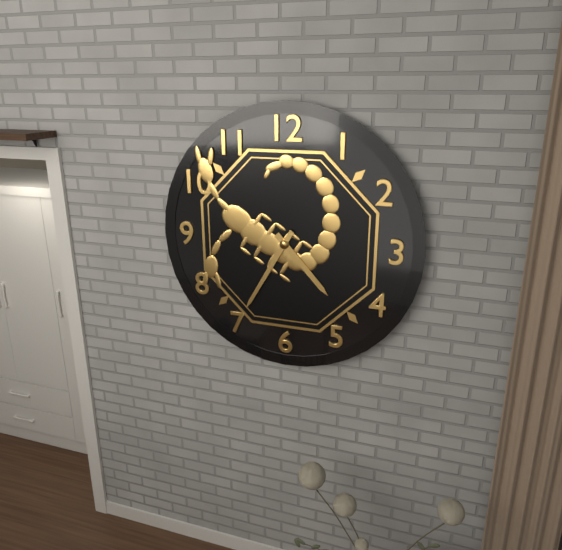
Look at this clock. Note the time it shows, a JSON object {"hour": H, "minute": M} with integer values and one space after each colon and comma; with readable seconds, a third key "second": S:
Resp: {"hour": 4, "minute": 35}
